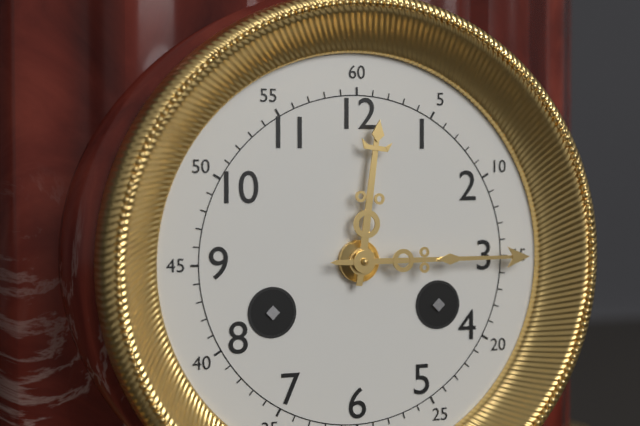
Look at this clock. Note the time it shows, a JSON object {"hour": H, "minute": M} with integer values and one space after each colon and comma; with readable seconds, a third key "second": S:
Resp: {"hour": 12, "minute": 15}
